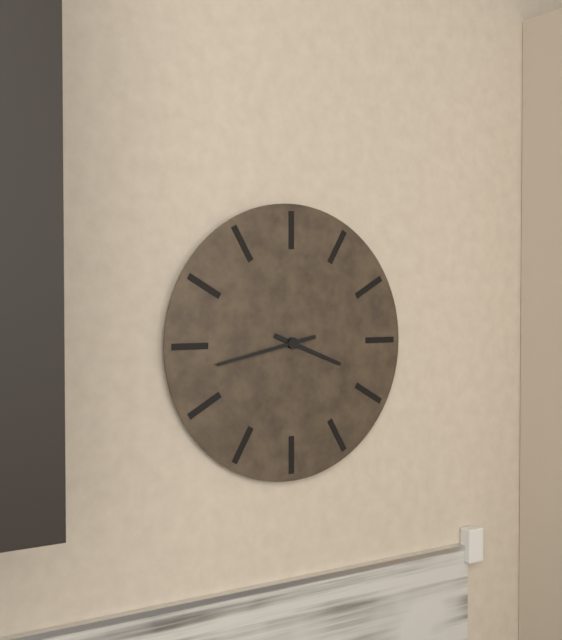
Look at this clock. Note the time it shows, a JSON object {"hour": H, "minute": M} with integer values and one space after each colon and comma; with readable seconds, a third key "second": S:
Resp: {"hour": 3, "minute": 43}
